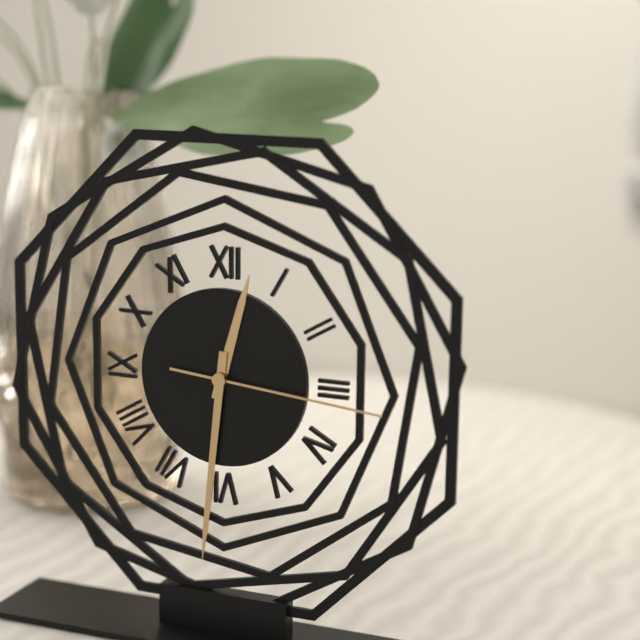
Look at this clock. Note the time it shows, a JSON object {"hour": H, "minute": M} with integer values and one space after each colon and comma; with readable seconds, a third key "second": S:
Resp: {"hour": 12, "minute": 31, "second": 16}
